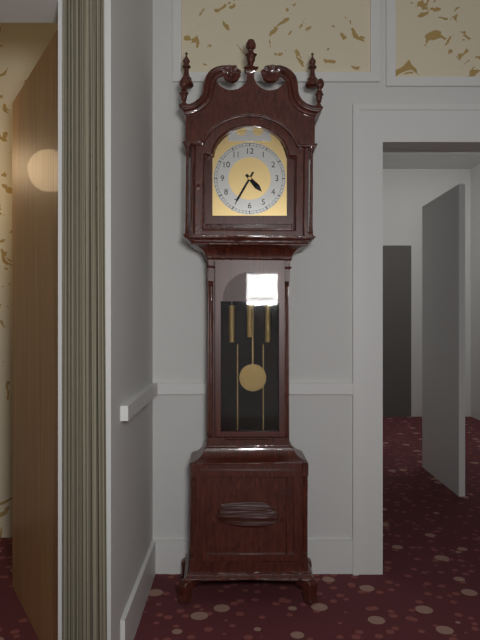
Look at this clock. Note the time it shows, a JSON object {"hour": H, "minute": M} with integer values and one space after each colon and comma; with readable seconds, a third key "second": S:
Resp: {"hour": 4, "minute": 35}
